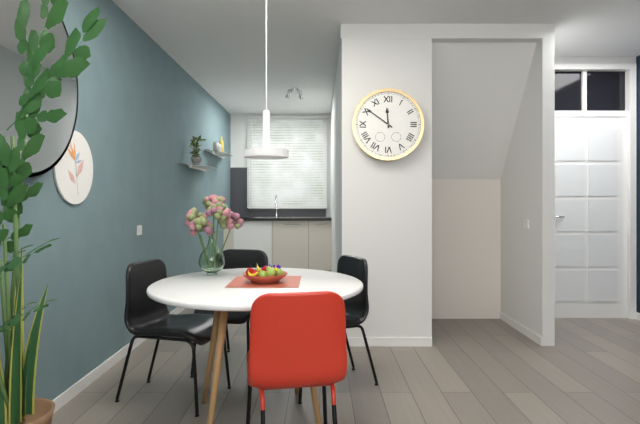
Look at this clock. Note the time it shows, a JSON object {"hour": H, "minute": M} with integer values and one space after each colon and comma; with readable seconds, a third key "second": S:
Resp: {"hour": 11, "minute": 51}
